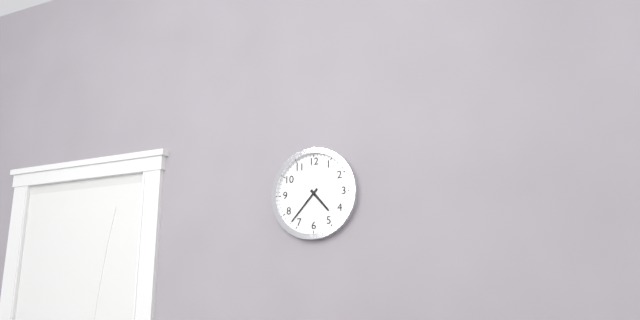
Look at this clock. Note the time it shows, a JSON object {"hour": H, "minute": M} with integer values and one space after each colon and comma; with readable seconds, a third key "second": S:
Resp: {"hour": 4, "minute": 37}
